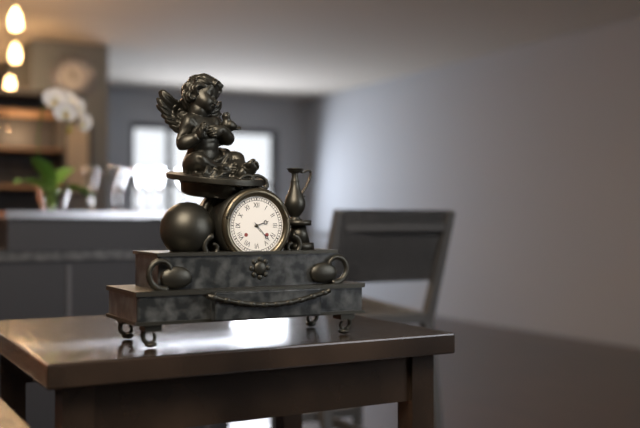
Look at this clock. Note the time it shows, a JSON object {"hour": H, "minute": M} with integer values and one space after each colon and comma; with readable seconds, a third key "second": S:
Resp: {"hour": 2, "minute": 23}
